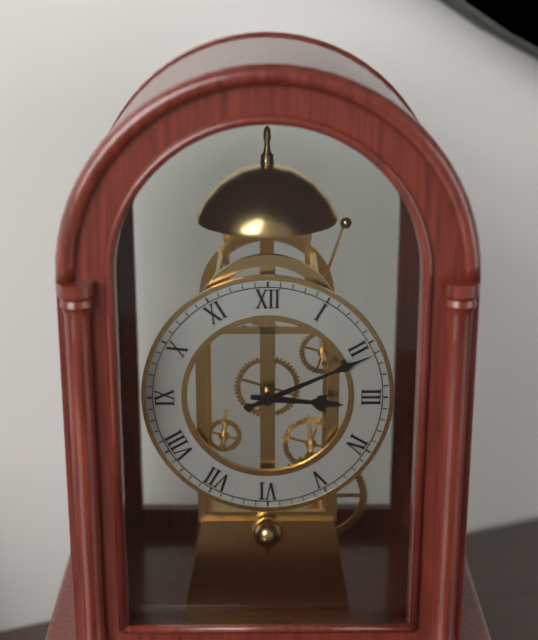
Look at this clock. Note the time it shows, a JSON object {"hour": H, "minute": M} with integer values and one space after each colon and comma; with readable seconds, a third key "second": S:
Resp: {"hour": 3, "minute": 11}
